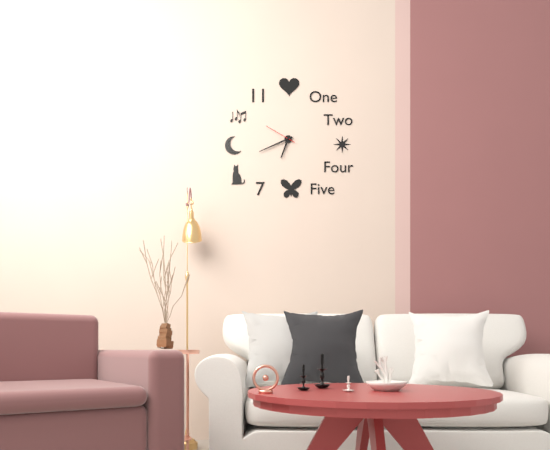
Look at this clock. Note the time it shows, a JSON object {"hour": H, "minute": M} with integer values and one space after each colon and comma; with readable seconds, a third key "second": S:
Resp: {"hour": 6, "minute": 41}
